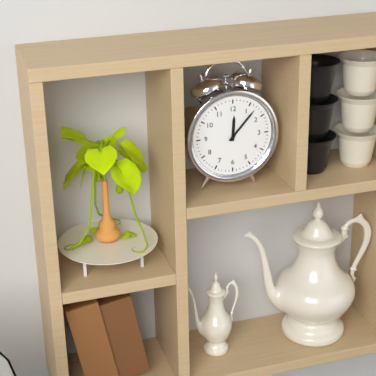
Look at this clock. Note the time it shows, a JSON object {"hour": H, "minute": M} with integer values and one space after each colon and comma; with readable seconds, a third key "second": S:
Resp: {"hour": 12, "minute": 7}
